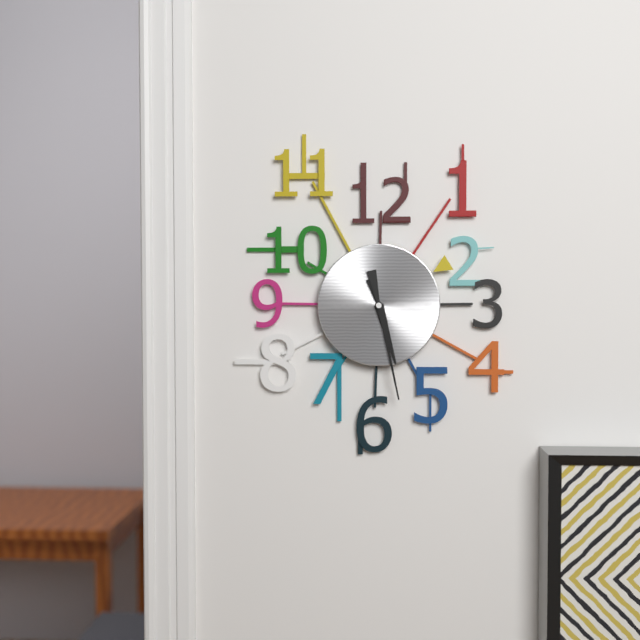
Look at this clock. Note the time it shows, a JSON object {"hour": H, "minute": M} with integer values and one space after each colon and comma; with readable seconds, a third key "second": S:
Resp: {"hour": 5, "minute": 28}
